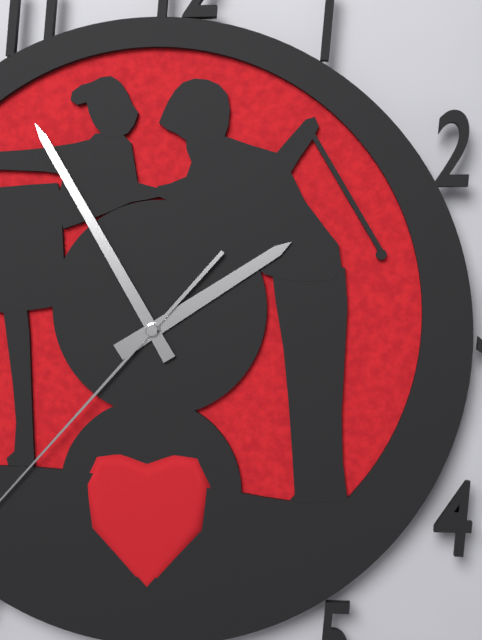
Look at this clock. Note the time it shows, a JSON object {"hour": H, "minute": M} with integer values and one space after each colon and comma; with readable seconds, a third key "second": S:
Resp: {"hour": 1, "minute": 55}
